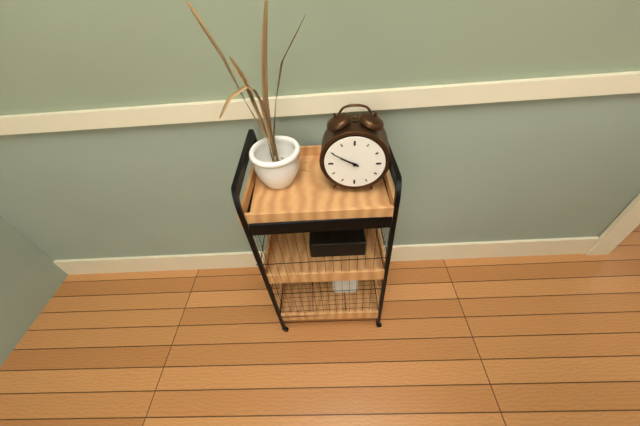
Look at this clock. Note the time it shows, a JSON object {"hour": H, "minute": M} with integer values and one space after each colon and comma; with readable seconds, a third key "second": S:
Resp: {"hour": 9, "minute": 50}
